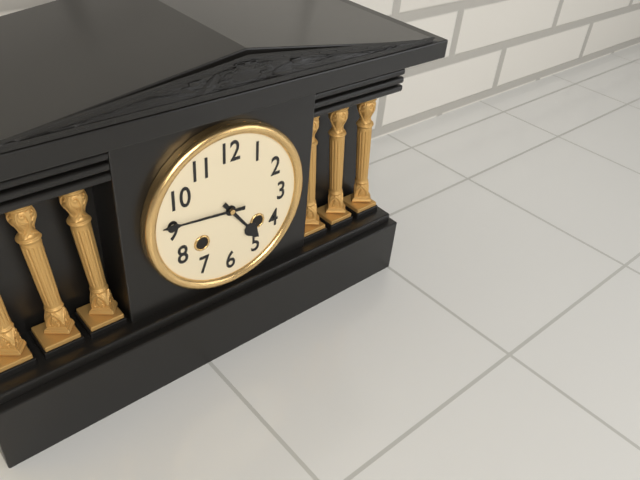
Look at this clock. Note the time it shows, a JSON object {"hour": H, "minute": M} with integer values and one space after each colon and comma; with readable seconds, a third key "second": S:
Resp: {"hour": 4, "minute": 46}
